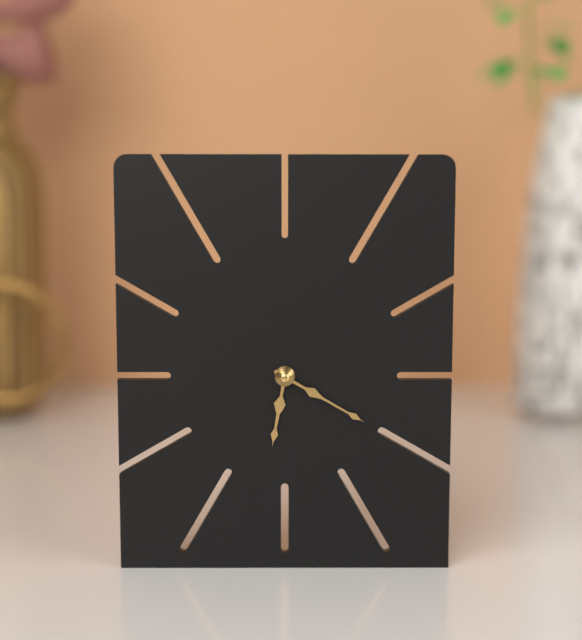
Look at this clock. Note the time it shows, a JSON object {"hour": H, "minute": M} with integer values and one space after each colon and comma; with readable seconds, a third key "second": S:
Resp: {"hour": 6, "minute": 20}
